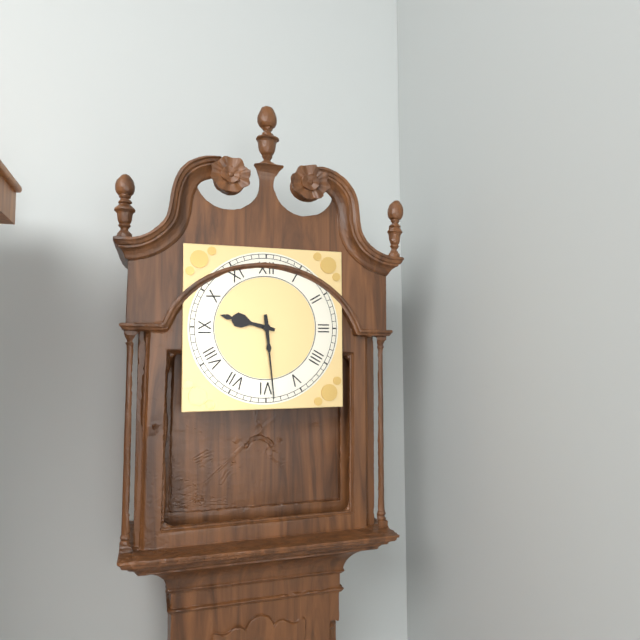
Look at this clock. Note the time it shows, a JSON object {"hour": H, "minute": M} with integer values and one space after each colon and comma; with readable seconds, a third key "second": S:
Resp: {"hour": 9, "minute": 29}
